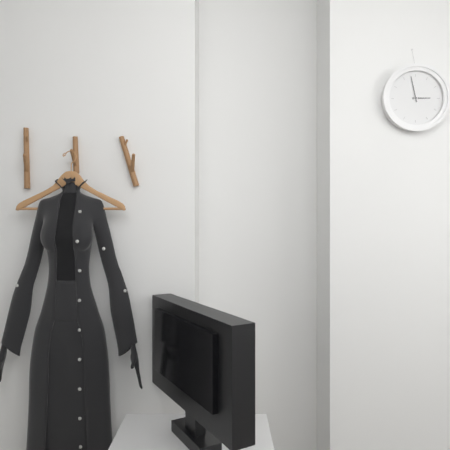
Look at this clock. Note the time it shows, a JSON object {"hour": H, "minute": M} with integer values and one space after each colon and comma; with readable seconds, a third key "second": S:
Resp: {"hour": 2, "minute": 58}
